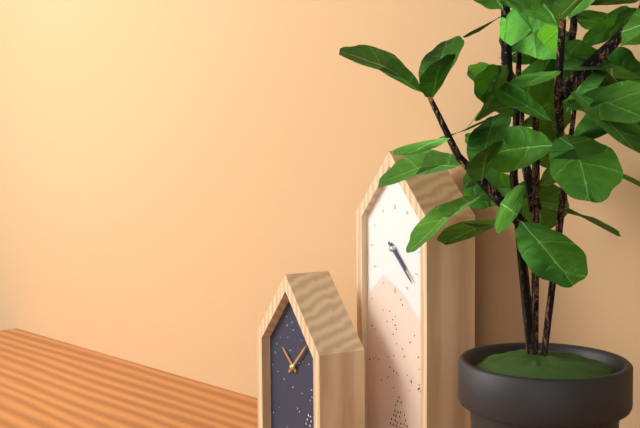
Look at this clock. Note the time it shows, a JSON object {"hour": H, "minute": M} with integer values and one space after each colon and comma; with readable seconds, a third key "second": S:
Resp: {"hour": 4, "minute": 22}
